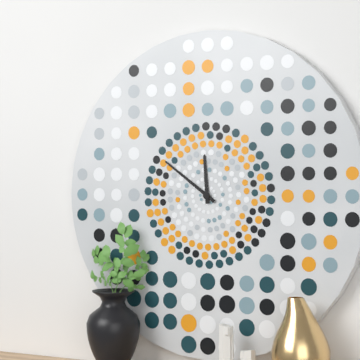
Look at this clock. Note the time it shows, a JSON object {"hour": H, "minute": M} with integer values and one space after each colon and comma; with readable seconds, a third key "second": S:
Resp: {"hour": 11, "minute": 51}
